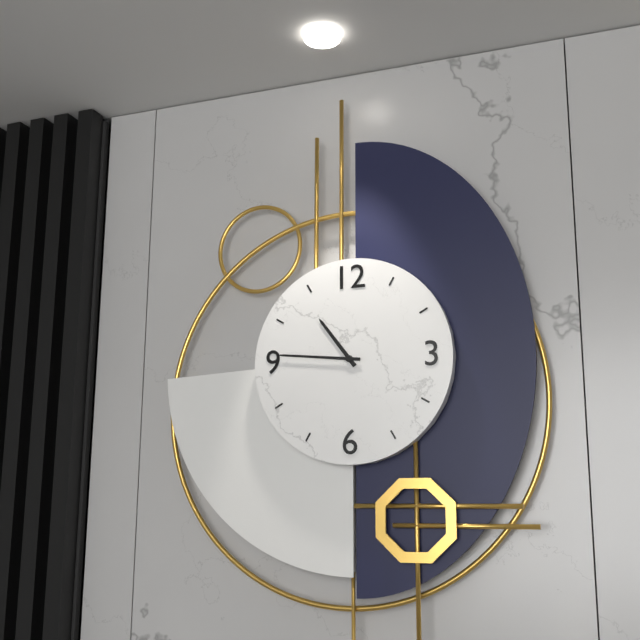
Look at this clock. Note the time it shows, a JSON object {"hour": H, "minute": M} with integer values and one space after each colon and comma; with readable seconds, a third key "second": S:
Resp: {"hour": 10, "minute": 46}
